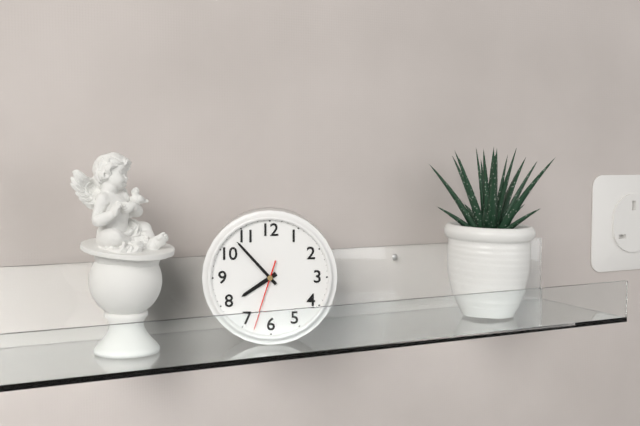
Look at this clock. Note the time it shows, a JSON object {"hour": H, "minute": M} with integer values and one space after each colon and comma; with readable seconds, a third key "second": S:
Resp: {"hour": 7, "minute": 53, "second": 33}
